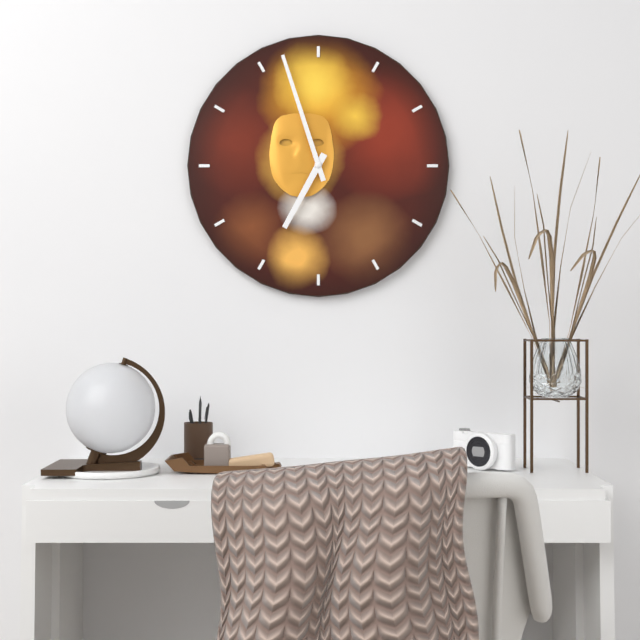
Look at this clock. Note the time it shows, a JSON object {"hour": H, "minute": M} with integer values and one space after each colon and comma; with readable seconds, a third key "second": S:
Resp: {"hour": 6, "minute": 57}
